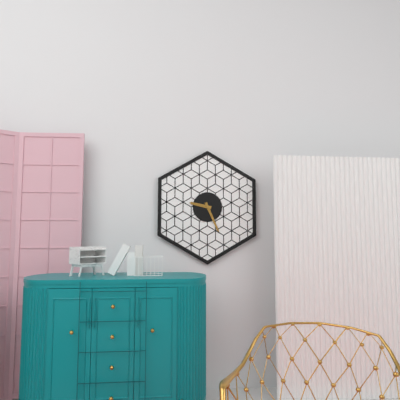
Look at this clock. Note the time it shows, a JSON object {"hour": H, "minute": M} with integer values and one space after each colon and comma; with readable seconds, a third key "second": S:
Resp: {"hour": 9, "minute": 26}
